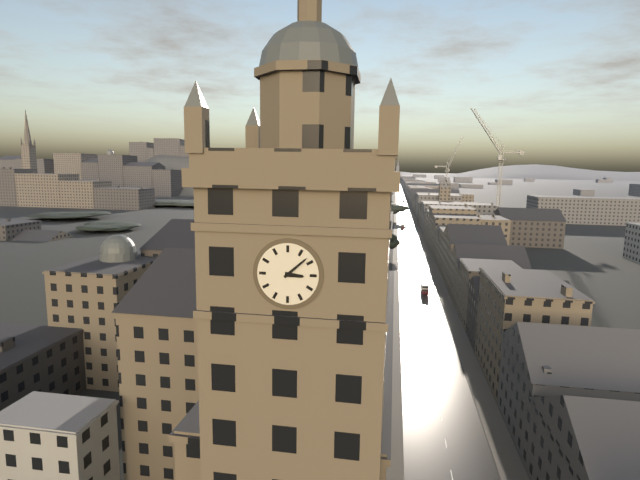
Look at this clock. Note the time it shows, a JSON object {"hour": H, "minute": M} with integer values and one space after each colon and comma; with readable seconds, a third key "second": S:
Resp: {"hour": 3, "minute": 8}
